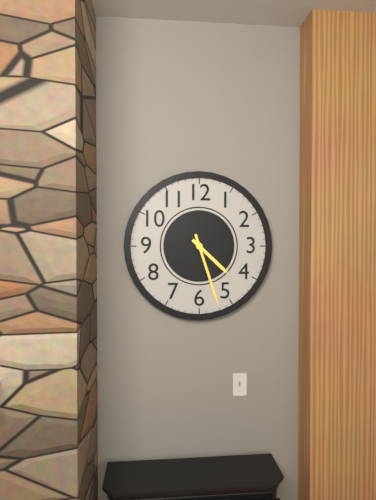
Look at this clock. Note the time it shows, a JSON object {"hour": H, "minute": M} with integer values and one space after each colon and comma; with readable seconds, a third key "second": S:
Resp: {"hour": 4, "minute": 27}
